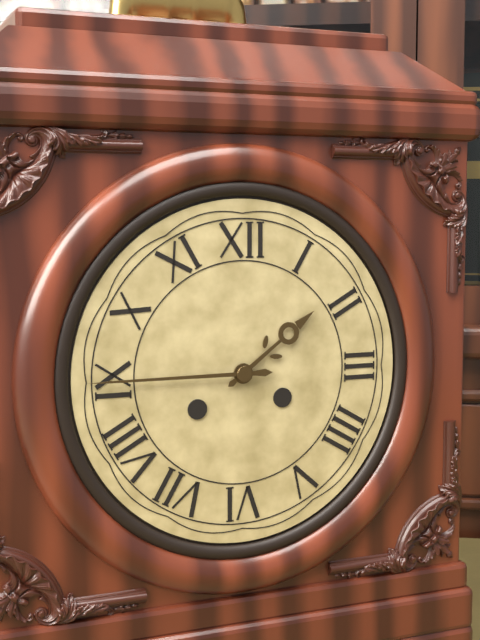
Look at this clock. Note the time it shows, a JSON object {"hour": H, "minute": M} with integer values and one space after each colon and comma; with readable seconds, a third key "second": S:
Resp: {"hour": 1, "minute": 45}
